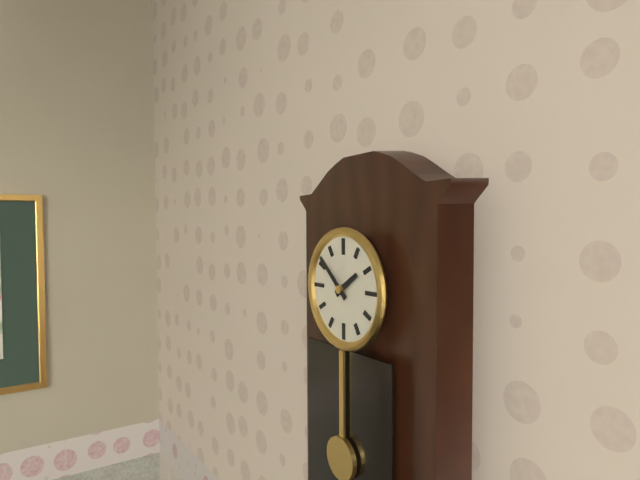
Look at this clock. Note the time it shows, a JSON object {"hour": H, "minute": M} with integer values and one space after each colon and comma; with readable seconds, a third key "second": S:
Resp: {"hour": 1, "minute": 52}
